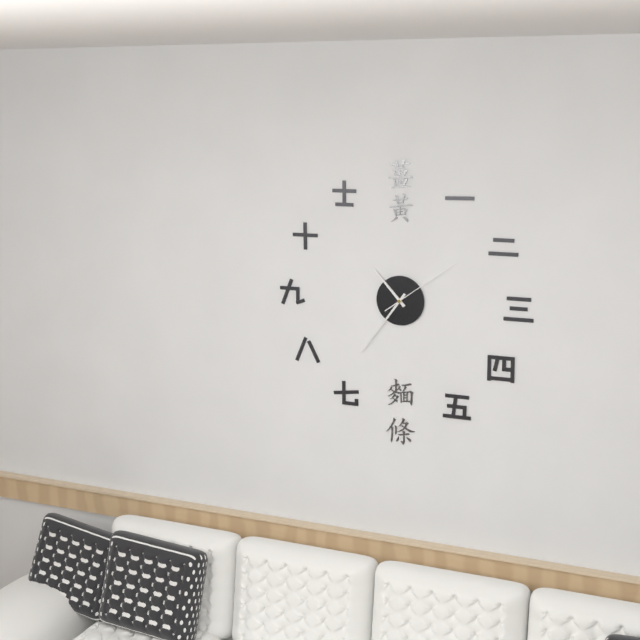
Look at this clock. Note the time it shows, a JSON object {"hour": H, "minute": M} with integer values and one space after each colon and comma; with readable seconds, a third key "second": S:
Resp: {"hour": 10, "minute": 36, "second": 9}
